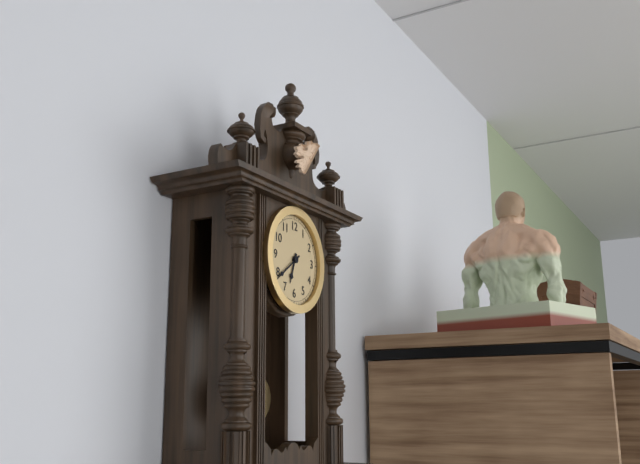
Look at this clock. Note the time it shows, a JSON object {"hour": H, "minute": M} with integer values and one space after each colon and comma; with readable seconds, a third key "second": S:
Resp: {"hour": 6, "minute": 39}
